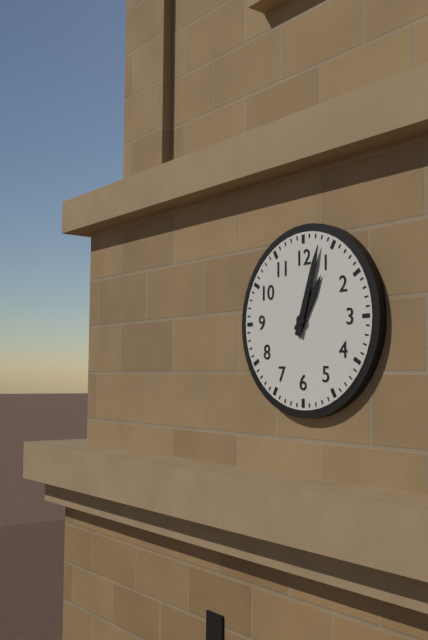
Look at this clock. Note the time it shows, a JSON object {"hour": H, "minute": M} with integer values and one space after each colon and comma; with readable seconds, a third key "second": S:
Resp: {"hour": 1, "minute": 3}
